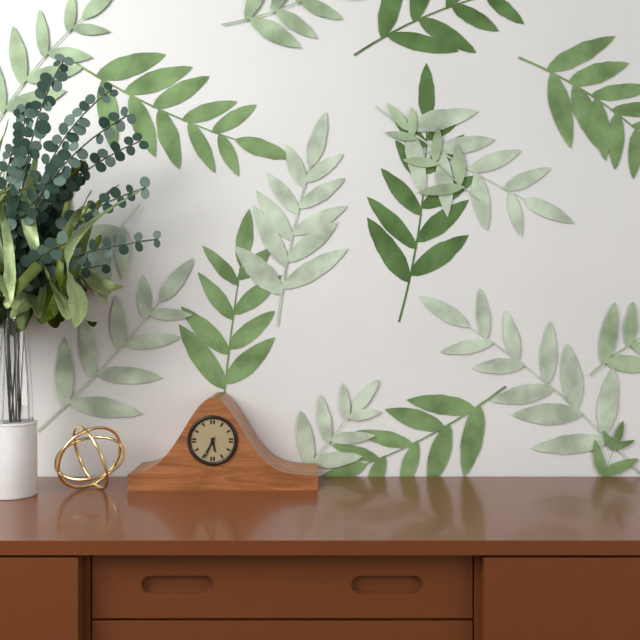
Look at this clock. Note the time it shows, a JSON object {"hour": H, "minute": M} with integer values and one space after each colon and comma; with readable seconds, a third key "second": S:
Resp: {"hour": 5, "minute": 34}
